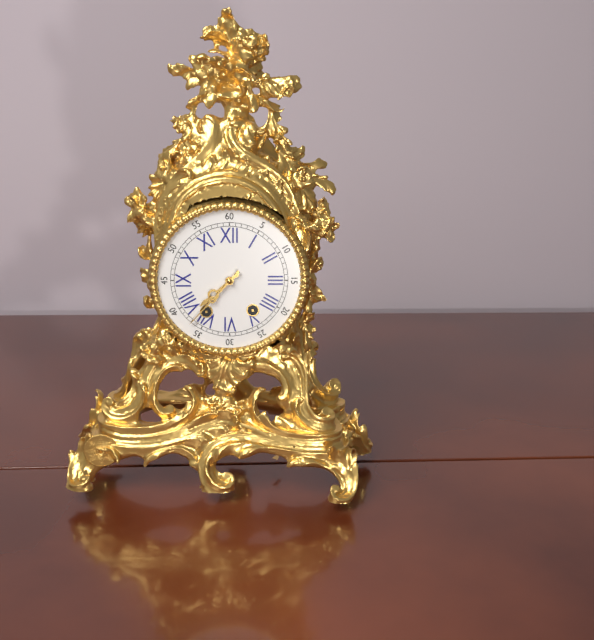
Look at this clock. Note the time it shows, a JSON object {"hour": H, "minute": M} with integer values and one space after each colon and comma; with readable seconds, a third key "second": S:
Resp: {"hour": 7, "minute": 37}
